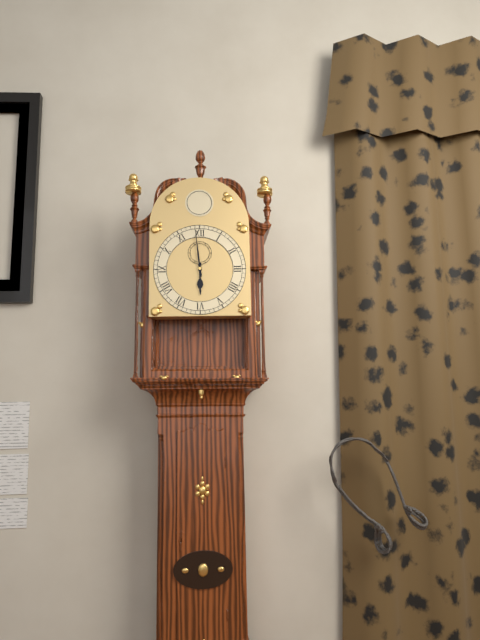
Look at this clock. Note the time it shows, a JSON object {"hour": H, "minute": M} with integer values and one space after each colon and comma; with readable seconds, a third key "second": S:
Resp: {"hour": 5, "minute": 59}
